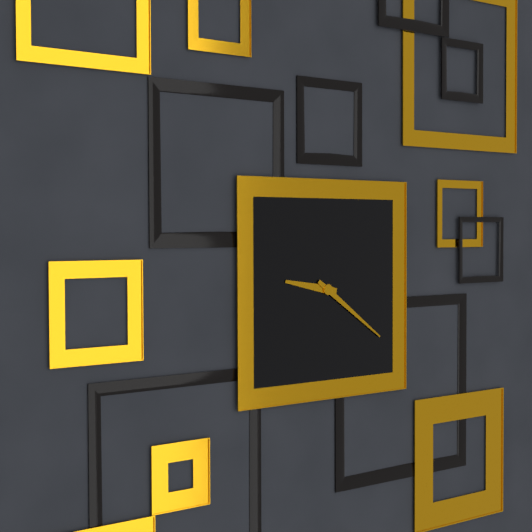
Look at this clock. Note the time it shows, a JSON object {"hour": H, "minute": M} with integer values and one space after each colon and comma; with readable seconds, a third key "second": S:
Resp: {"hour": 9, "minute": 21}
